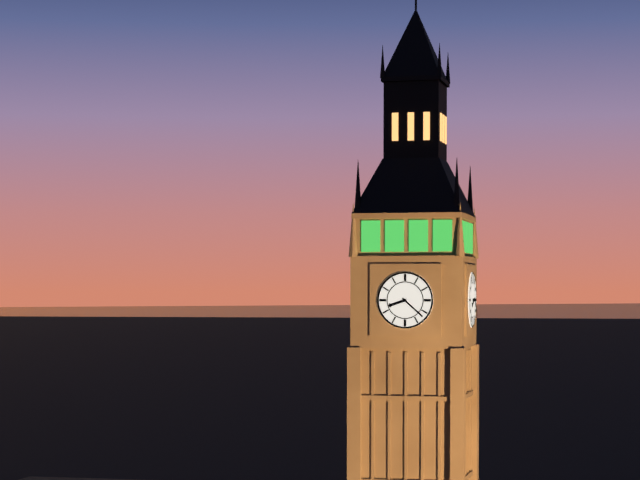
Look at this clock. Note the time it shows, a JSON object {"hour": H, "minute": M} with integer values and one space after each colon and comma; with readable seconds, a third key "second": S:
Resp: {"hour": 8, "minute": 22}
